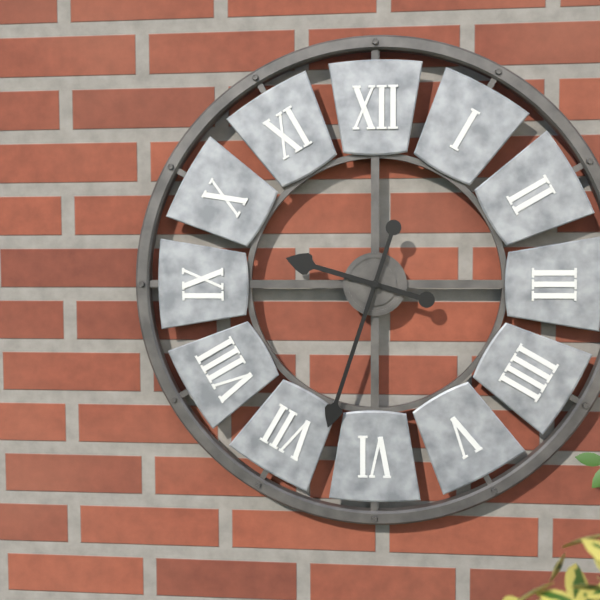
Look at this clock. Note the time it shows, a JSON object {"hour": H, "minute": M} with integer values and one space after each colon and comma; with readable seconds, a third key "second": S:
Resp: {"hour": 9, "minute": 33}
